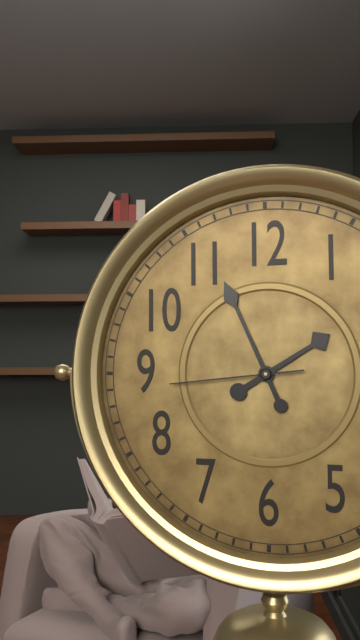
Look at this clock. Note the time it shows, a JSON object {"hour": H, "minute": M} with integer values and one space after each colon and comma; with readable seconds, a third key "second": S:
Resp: {"hour": 1, "minute": 56, "second": 44}
